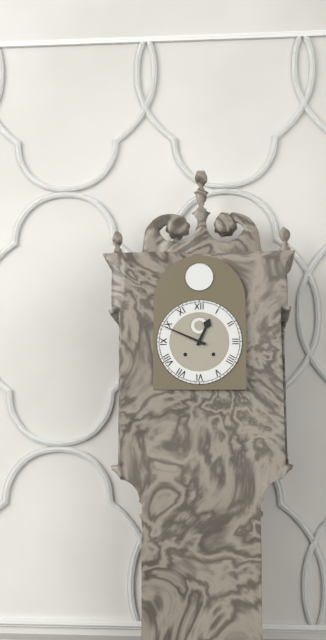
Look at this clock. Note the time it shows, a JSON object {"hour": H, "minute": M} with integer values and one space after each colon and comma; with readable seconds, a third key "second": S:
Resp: {"hour": 12, "minute": 49}
